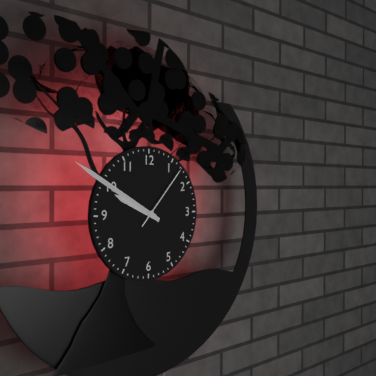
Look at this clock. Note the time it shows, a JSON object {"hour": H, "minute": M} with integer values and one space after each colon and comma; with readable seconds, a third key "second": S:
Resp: {"hour": 9, "minute": 50, "second": 7}
